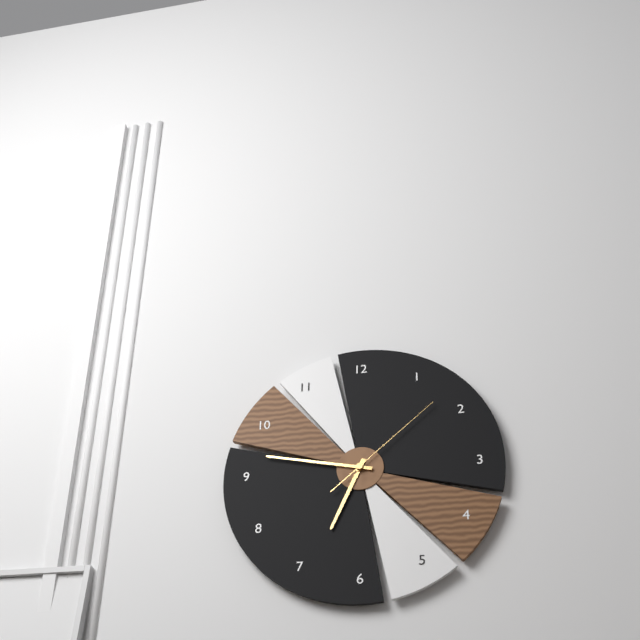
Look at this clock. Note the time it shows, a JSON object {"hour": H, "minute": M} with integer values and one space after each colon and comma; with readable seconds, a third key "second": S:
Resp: {"hour": 6, "minute": 47, "second": 8}
